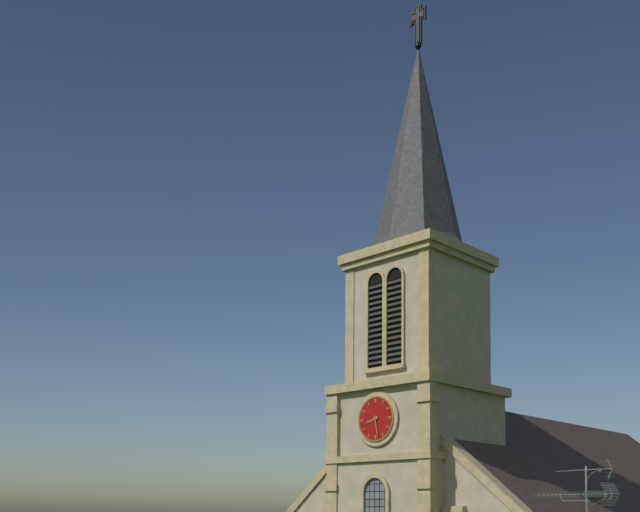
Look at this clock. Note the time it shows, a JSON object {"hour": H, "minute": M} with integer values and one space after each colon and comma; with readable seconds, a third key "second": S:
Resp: {"hour": 8, "minute": 28}
